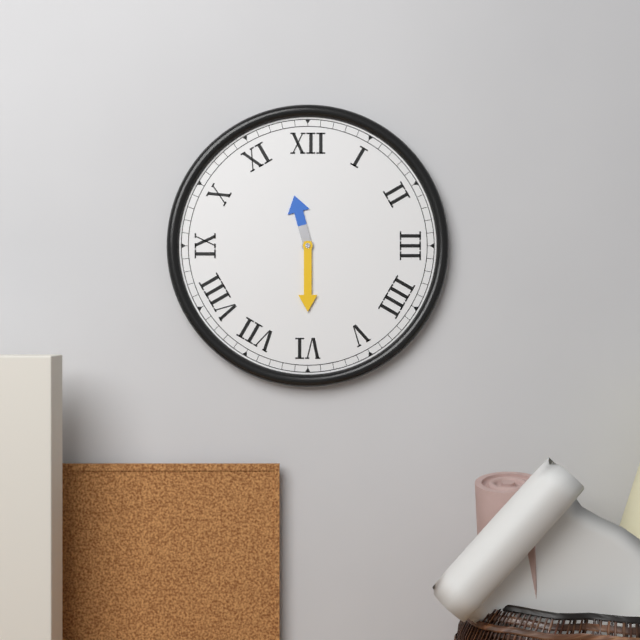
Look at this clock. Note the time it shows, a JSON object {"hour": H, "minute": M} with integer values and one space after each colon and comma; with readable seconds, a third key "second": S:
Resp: {"hour": 11, "minute": 30}
